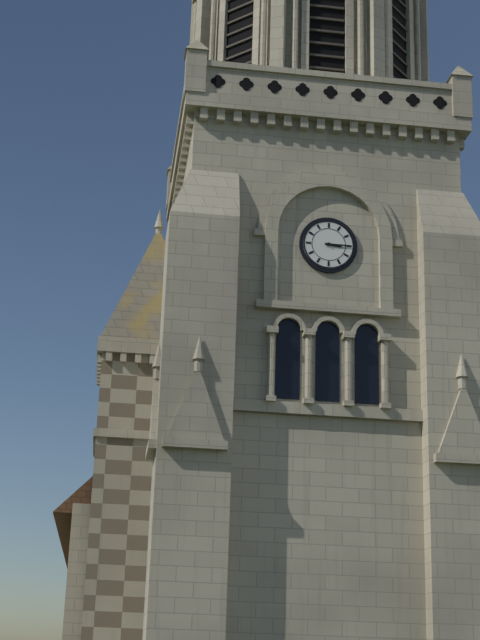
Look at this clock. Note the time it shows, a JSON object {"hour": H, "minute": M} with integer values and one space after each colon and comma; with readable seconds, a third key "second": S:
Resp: {"hour": 3, "minute": 15}
